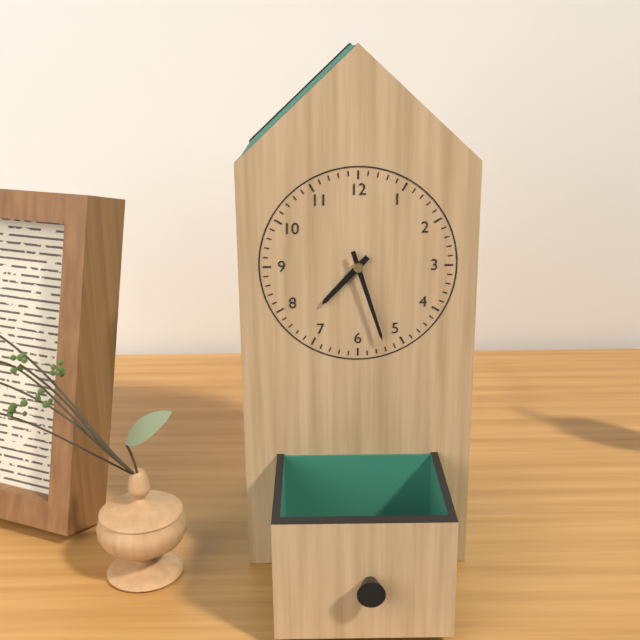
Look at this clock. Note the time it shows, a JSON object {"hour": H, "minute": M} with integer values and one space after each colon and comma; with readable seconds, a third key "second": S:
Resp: {"hour": 7, "minute": 27}
